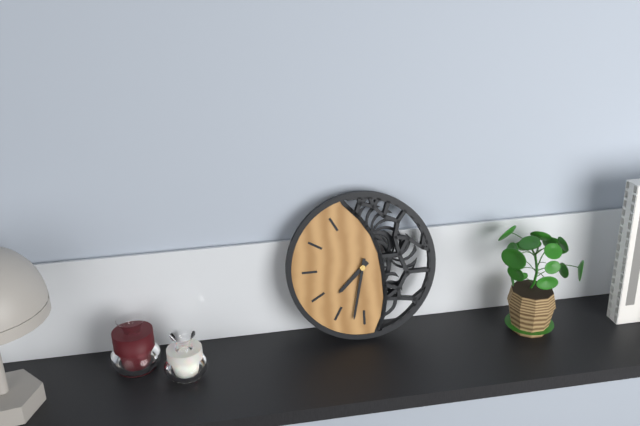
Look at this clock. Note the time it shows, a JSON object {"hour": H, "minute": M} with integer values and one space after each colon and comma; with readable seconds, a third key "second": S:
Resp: {"hour": 7, "minute": 32}
